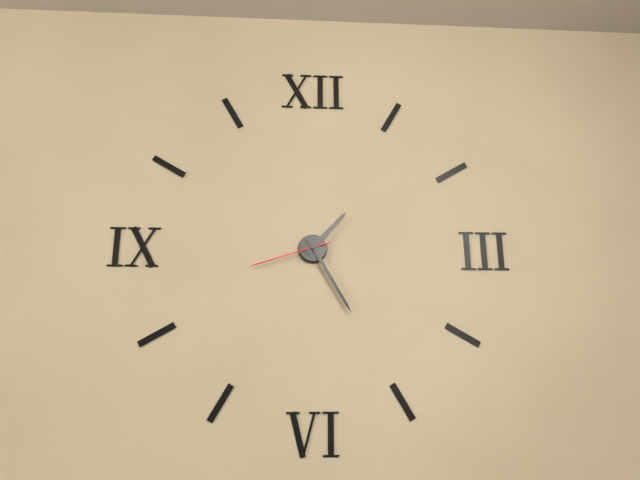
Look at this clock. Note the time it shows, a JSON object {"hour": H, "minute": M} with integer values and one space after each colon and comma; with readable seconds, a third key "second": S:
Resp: {"hour": 1, "minute": 25, "second": 42}
